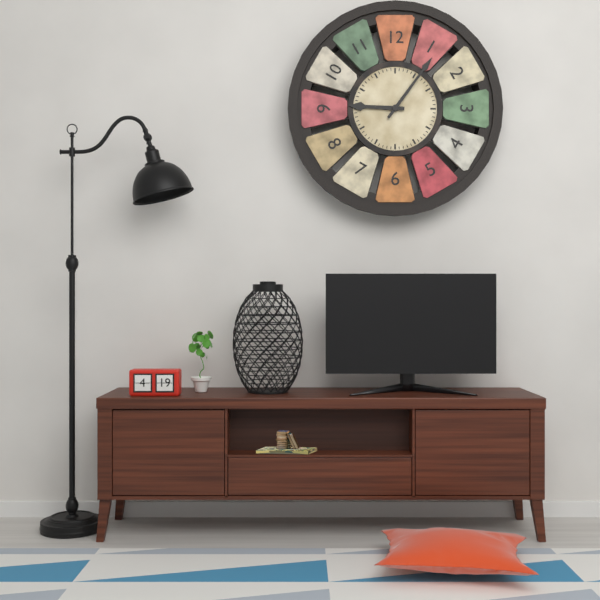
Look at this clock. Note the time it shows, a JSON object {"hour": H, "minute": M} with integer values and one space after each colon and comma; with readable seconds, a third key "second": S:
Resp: {"hour": 9, "minute": 6}
